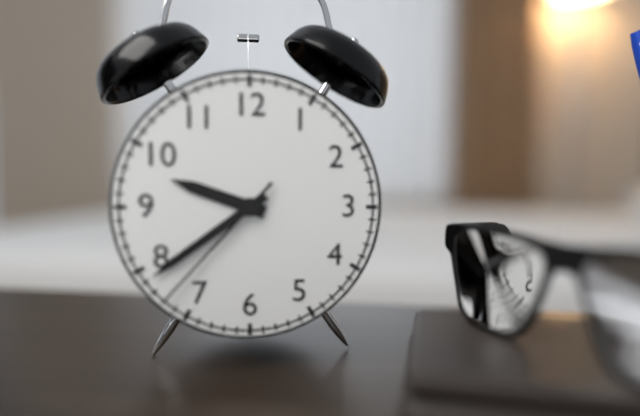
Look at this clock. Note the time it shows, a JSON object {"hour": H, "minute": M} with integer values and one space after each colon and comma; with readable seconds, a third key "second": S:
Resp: {"hour": 9, "minute": 39, "second": 37}
